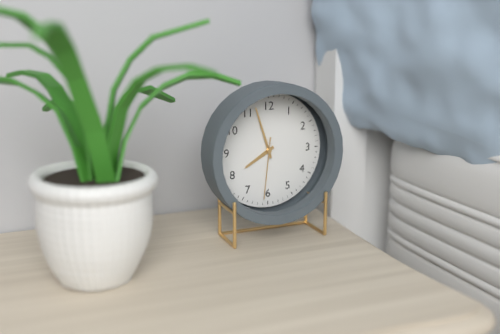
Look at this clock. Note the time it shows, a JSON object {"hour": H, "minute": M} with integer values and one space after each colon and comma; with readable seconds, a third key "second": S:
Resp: {"hour": 7, "minute": 57, "second": 31}
